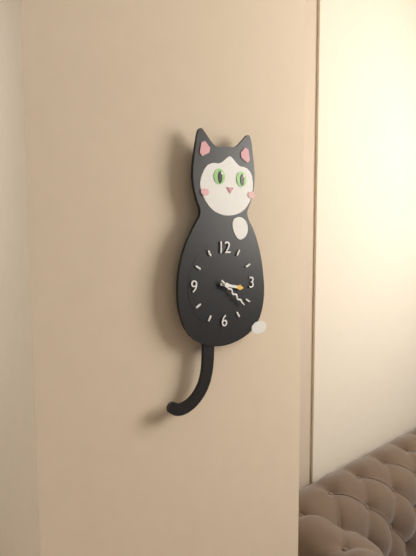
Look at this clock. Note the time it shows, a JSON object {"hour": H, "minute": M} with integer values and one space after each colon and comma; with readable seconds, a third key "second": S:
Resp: {"hour": 3, "minute": 22}
